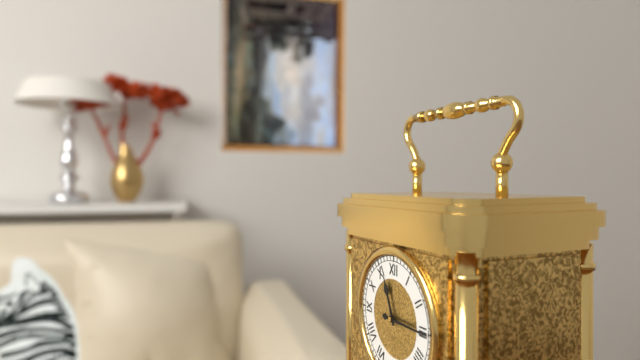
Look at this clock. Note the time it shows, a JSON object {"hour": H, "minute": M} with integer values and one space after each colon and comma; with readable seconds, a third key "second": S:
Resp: {"hour": 11, "minute": 15}
